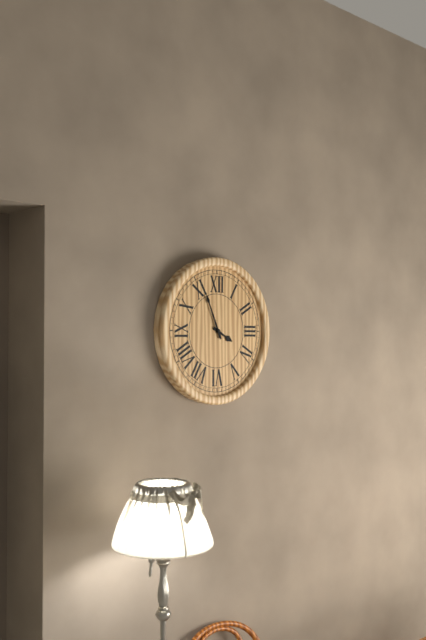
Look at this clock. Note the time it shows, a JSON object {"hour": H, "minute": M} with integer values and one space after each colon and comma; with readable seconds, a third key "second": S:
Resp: {"hour": 3, "minute": 56}
